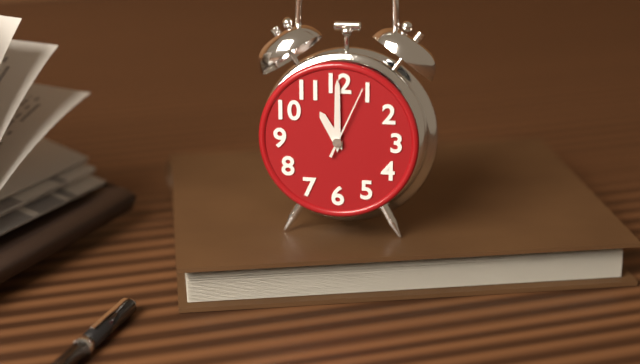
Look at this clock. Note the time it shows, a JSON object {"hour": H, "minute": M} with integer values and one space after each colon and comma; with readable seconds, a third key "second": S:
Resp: {"hour": 11, "minute": 0, "second": 4}
